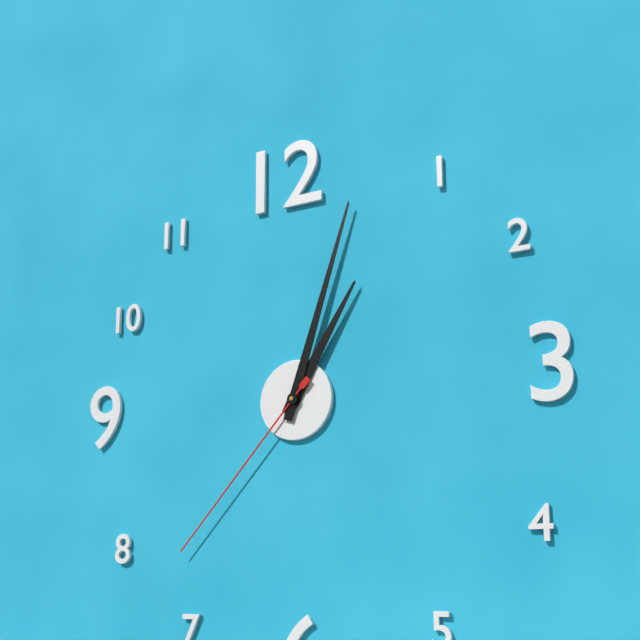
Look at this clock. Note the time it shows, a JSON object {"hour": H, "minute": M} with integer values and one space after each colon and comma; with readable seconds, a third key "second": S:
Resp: {"hour": 1, "minute": 3, "second": 37}
